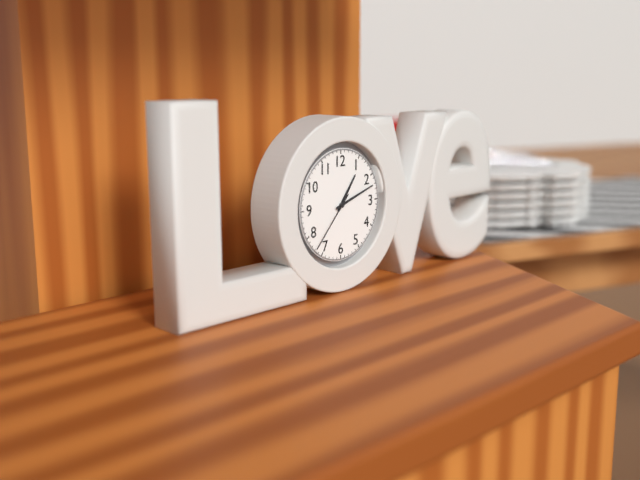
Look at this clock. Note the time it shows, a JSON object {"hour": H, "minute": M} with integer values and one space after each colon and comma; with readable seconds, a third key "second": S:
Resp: {"hour": 1, "minute": 12, "second": 37}
